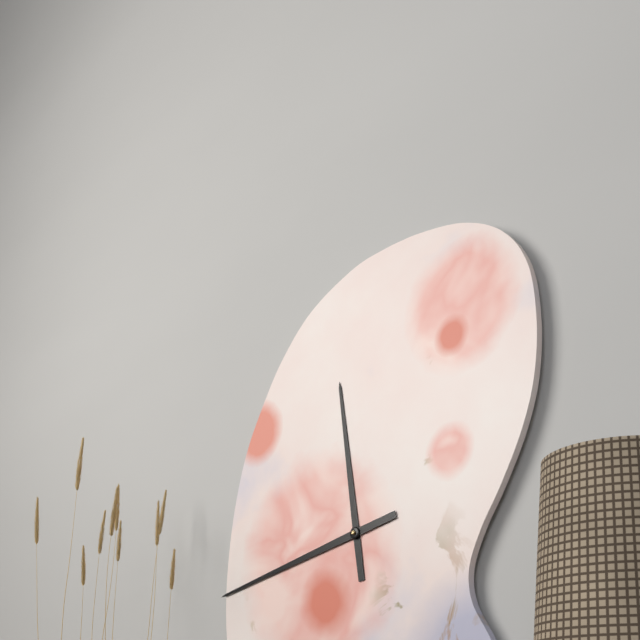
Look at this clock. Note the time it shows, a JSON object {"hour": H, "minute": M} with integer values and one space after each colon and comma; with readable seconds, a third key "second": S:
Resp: {"hour": 11, "minute": 43}
